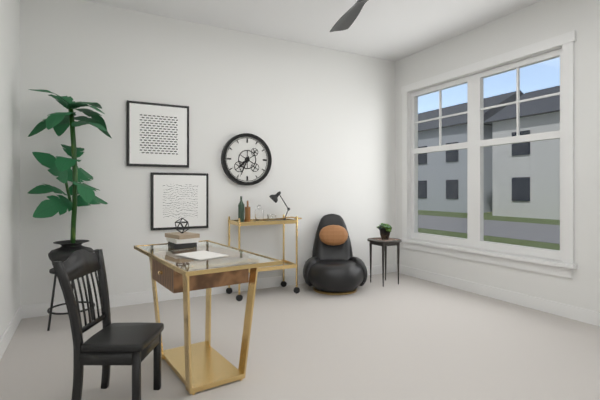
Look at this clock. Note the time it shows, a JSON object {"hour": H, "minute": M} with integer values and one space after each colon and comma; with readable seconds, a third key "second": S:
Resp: {"hour": 7, "minute": 34}
